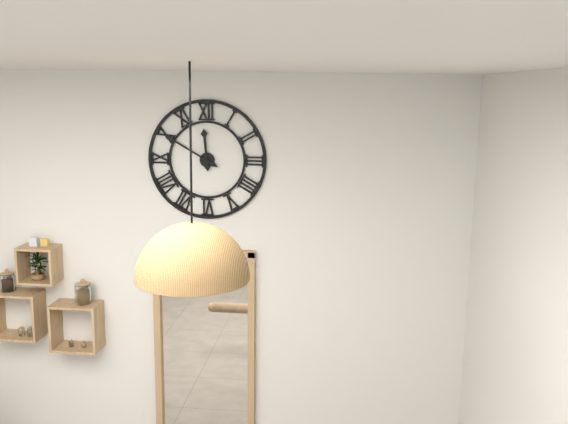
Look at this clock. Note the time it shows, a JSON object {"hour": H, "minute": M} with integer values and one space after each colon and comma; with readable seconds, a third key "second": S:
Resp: {"hour": 11, "minute": 50}
